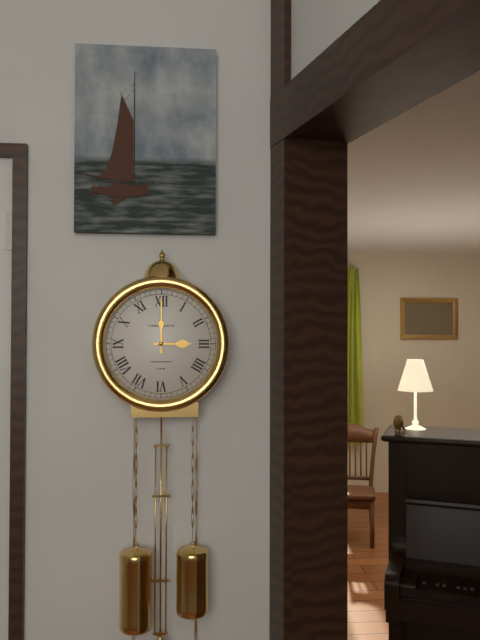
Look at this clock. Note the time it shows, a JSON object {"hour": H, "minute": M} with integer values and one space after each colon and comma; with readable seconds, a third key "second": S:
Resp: {"hour": 3, "minute": 0}
